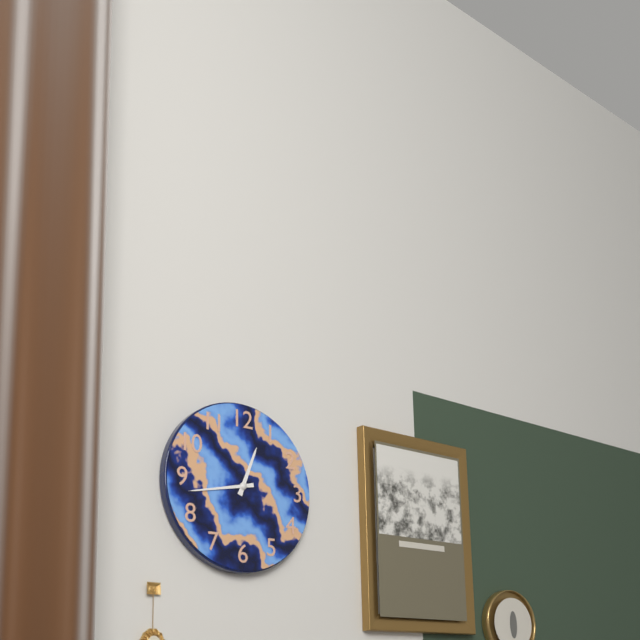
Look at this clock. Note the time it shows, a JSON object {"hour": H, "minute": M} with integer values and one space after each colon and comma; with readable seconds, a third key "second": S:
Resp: {"hour": 12, "minute": 43}
